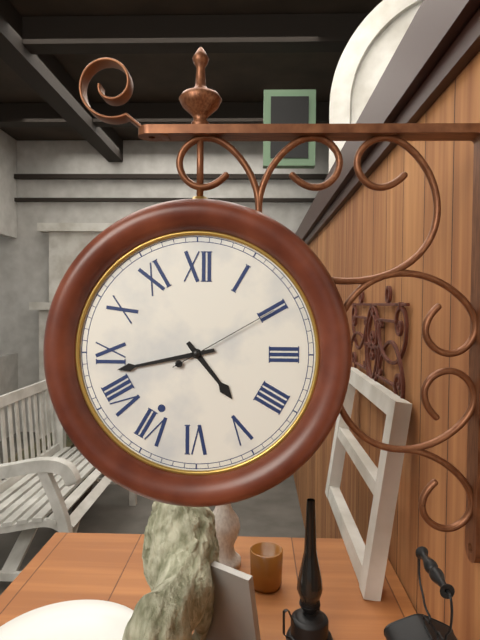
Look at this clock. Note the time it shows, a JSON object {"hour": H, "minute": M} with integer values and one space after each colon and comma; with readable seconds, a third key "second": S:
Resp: {"hour": 4, "minute": 43, "second": 10}
